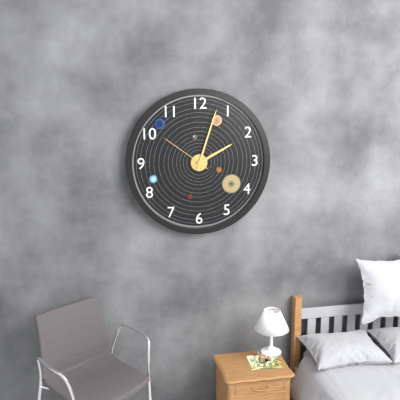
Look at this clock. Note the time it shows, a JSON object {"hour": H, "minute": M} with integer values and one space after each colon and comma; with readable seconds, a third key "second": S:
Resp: {"hour": 2, "minute": 3, "second": 51}
